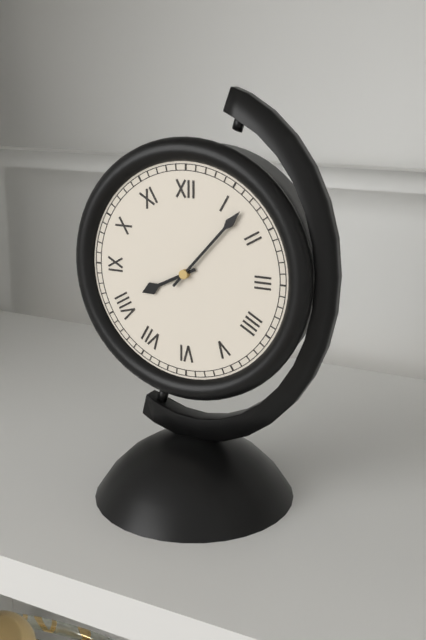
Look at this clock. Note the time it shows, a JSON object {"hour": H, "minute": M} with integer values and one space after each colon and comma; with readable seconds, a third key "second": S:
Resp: {"hour": 8, "minute": 7}
